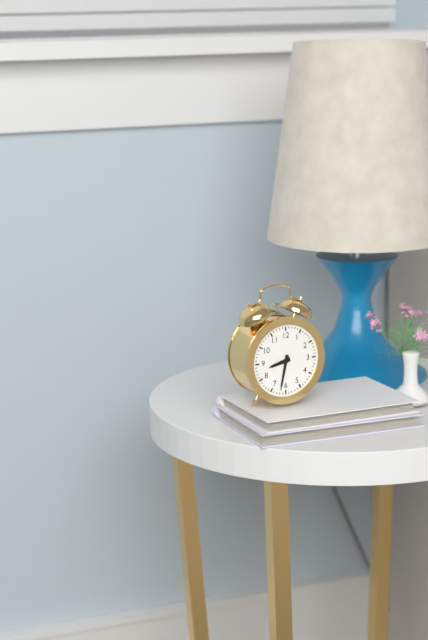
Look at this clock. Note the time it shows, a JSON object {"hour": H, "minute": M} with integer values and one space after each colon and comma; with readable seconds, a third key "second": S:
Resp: {"hour": 8, "minute": 32}
